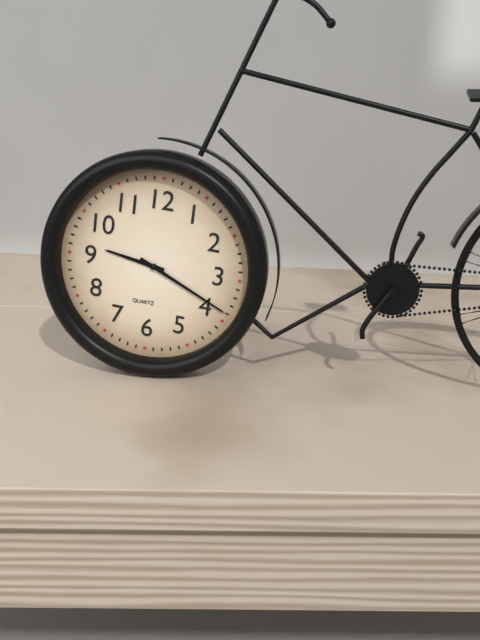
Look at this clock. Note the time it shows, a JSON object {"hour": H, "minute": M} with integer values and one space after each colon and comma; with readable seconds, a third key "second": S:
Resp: {"hour": 9, "minute": 19}
